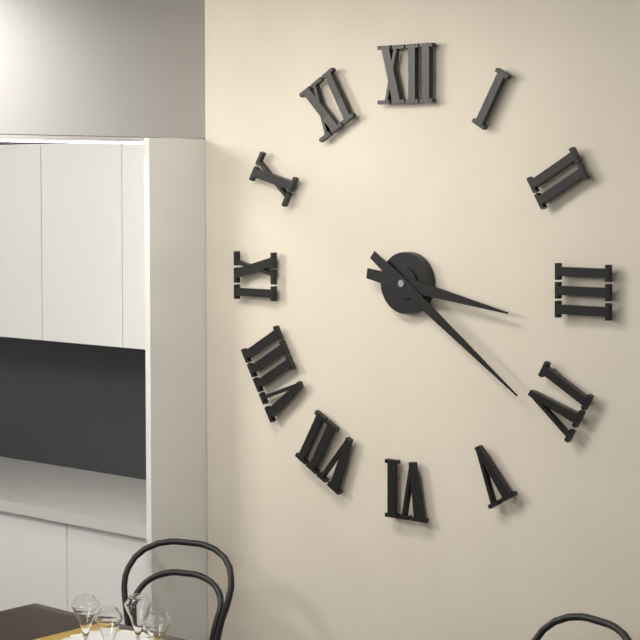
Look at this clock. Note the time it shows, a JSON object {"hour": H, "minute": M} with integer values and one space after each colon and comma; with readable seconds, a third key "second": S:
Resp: {"hour": 3, "minute": 21}
